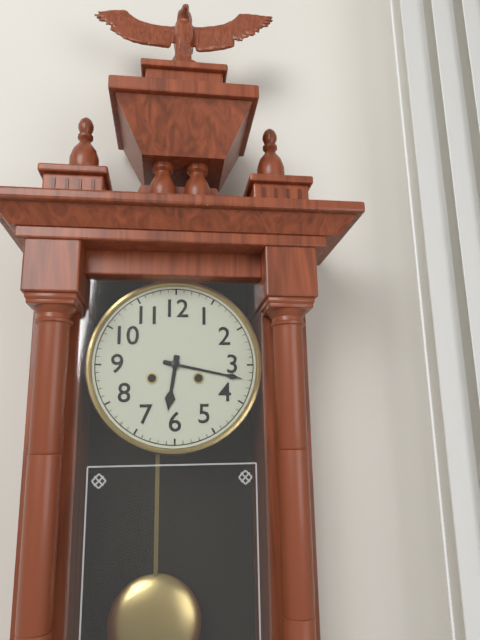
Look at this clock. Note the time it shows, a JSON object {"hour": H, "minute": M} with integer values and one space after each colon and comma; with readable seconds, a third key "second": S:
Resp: {"hour": 6, "minute": 17}
